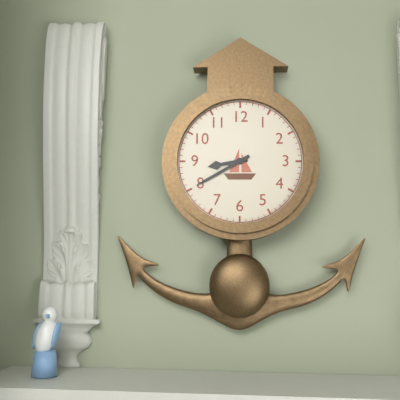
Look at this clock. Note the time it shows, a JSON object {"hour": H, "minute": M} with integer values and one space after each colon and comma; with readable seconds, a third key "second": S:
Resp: {"hour": 8, "minute": 40}
